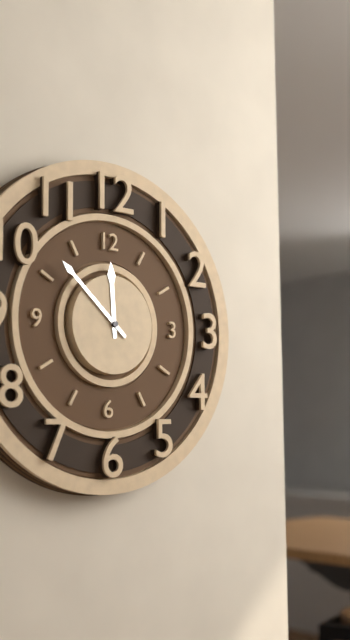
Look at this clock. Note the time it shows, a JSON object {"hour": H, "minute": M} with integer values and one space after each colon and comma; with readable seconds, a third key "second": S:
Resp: {"hour": 11, "minute": 52}
